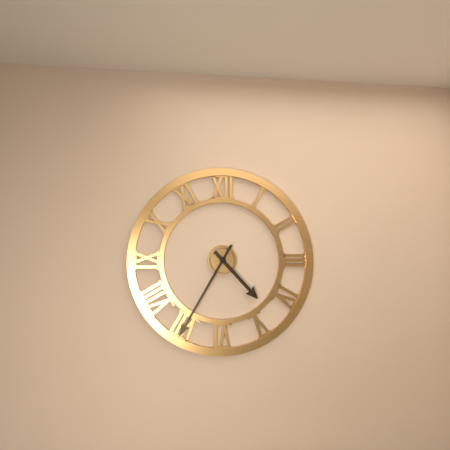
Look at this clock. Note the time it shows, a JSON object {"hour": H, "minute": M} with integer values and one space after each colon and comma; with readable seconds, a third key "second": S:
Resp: {"hour": 4, "minute": 35}
